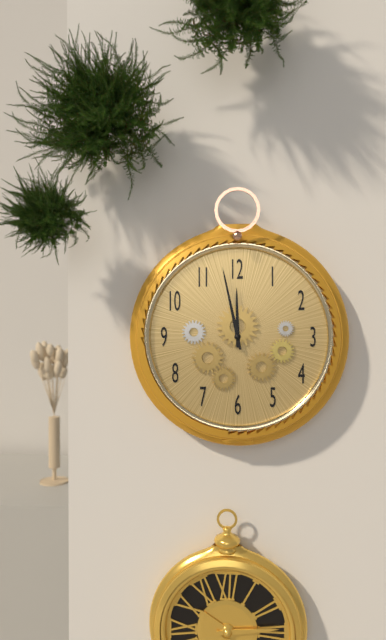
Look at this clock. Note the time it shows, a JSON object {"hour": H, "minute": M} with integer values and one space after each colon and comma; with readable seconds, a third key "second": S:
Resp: {"hour": 11, "minute": 58}
